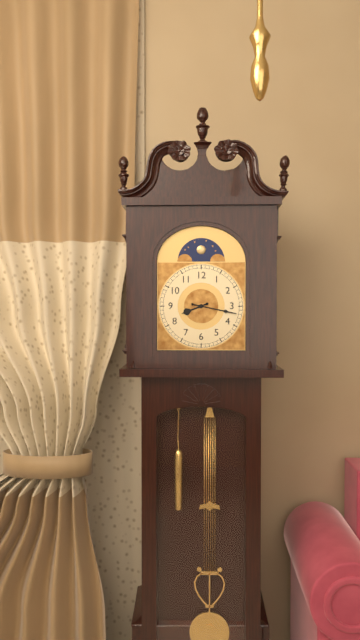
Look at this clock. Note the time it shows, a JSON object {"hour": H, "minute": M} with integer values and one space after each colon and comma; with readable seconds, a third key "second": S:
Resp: {"hour": 8, "minute": 17}
